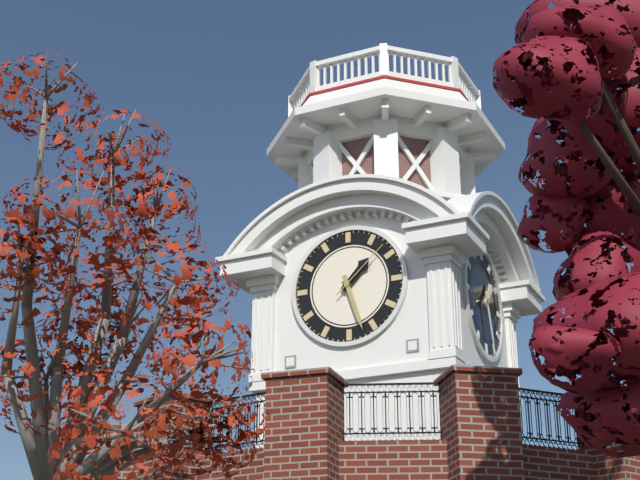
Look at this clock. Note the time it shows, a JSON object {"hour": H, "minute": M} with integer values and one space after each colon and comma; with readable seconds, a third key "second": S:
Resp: {"hour": 1, "minute": 27, "second": 8}
